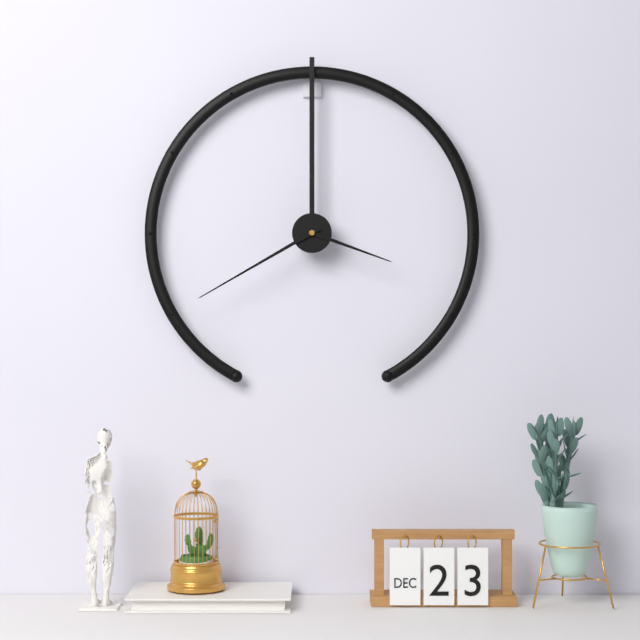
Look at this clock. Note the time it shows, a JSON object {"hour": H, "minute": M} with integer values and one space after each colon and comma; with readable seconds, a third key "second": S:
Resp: {"hour": 3, "minute": 40}
